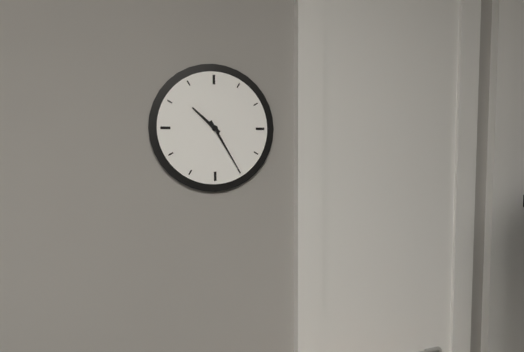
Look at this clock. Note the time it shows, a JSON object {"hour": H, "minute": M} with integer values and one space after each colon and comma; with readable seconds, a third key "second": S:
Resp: {"hour": 10, "minute": 25}
